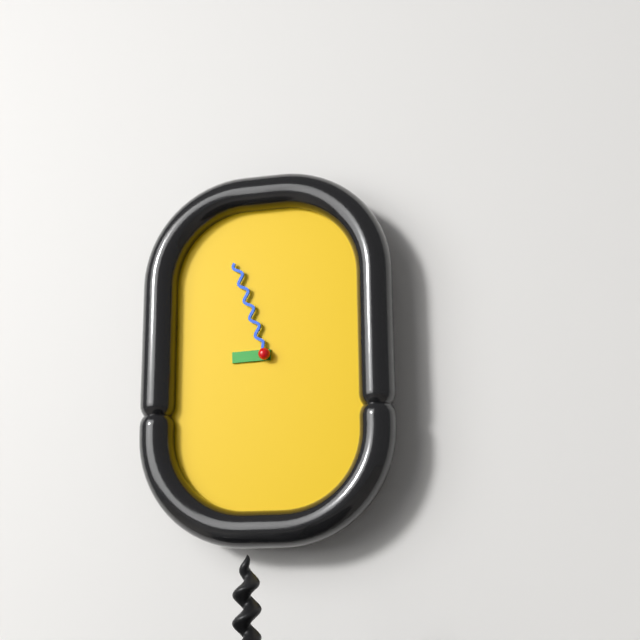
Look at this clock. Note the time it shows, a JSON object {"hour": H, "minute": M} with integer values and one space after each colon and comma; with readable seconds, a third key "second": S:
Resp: {"hour": 8, "minute": 57}
